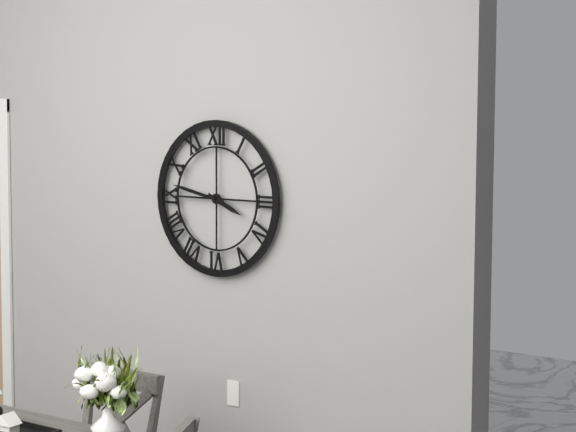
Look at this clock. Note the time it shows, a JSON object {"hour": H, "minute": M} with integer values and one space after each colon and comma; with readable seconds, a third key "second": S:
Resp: {"hour": 3, "minute": 47}
